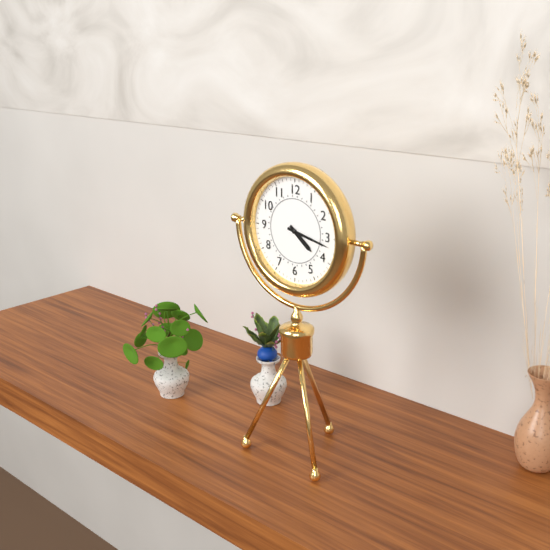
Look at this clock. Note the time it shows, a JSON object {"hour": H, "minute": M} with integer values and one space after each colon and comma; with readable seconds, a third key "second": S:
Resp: {"hour": 4, "minute": 17}
